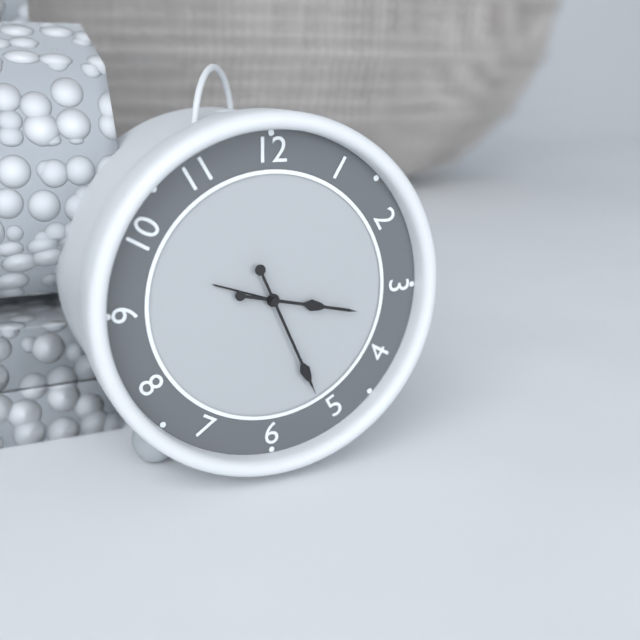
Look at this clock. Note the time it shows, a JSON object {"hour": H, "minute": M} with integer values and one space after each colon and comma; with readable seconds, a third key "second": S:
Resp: {"hour": 3, "minute": 26}
